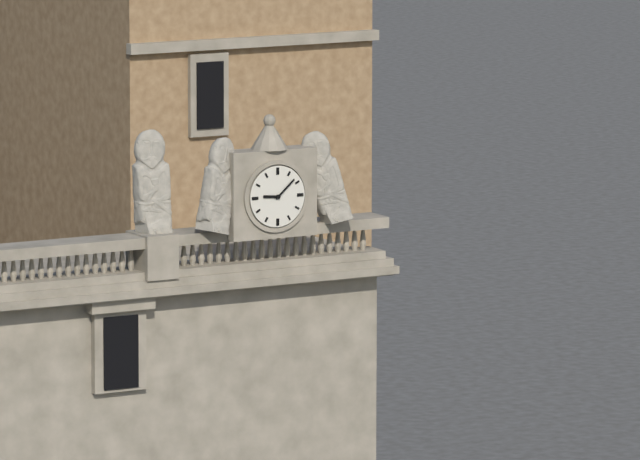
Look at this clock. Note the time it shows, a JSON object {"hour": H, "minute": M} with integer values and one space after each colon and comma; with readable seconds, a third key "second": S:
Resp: {"hour": 9, "minute": 8}
